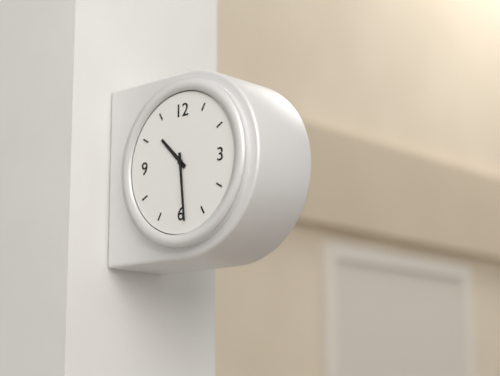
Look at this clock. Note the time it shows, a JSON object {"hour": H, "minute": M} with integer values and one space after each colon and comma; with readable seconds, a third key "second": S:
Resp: {"hour": 10, "minute": 29}
